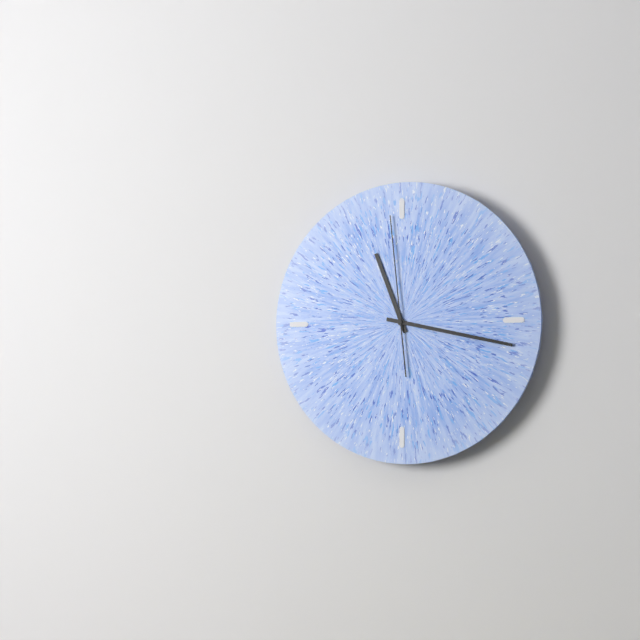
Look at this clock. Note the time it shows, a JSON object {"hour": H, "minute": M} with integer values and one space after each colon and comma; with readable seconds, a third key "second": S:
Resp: {"hour": 11, "minute": 17, "second": 59}
